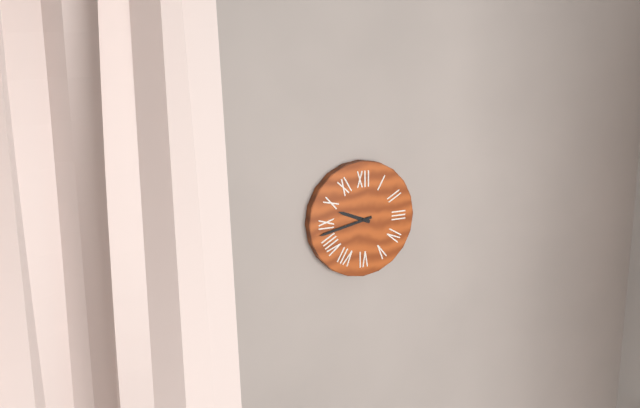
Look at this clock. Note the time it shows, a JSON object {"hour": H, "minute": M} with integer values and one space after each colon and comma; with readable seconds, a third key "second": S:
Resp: {"hour": 9, "minute": 43}
